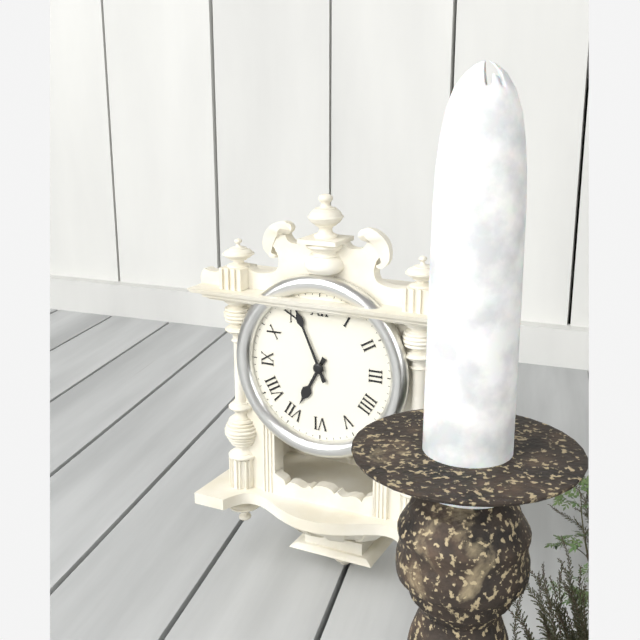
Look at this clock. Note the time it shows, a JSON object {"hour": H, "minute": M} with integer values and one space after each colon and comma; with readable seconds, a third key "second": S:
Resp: {"hour": 6, "minute": 56}
